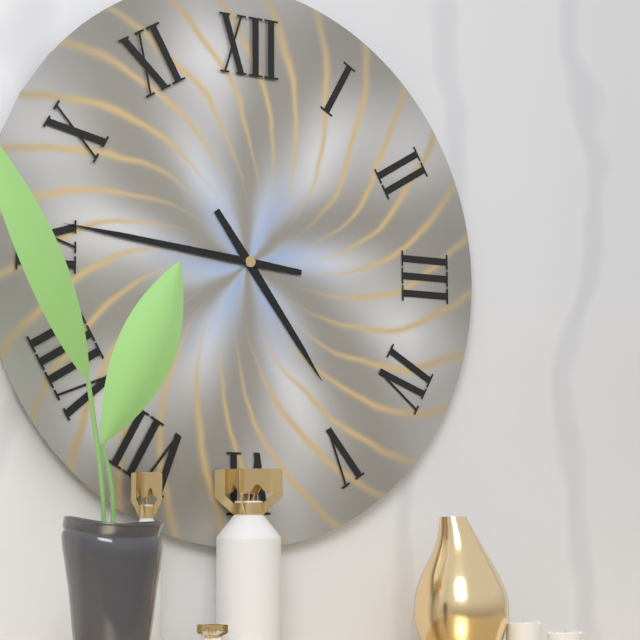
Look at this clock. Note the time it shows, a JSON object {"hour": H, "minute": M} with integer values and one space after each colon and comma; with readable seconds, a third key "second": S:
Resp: {"hour": 4, "minute": 46}
